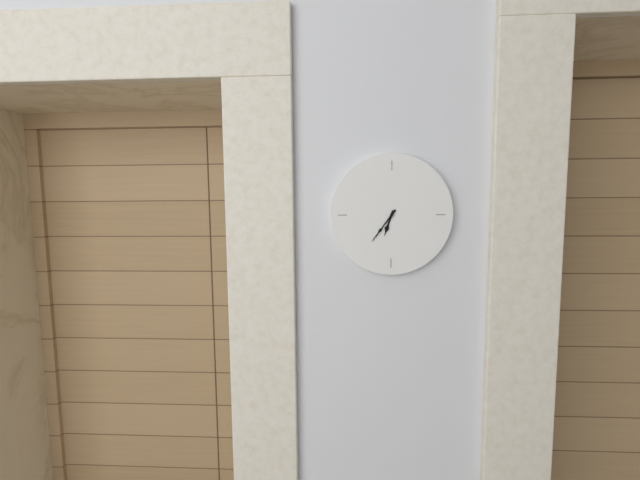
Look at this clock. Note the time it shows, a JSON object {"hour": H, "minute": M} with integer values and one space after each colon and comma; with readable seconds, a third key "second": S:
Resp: {"hour": 6, "minute": 36}
